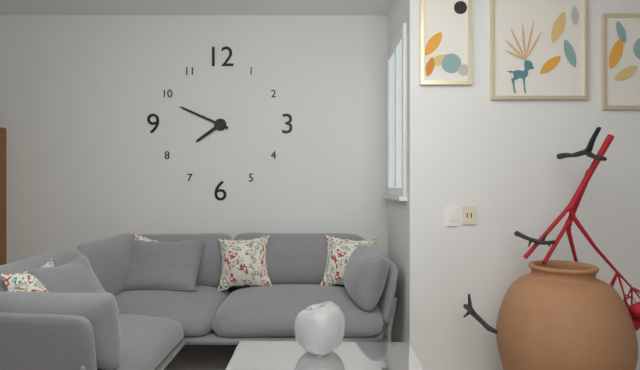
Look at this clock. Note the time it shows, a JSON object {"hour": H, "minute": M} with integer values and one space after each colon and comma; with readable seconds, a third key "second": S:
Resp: {"hour": 7, "minute": 49}
